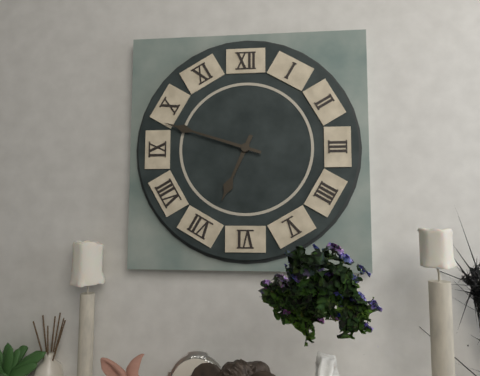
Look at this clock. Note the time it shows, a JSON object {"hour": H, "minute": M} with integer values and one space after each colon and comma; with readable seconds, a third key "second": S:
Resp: {"hour": 6, "minute": 48}
